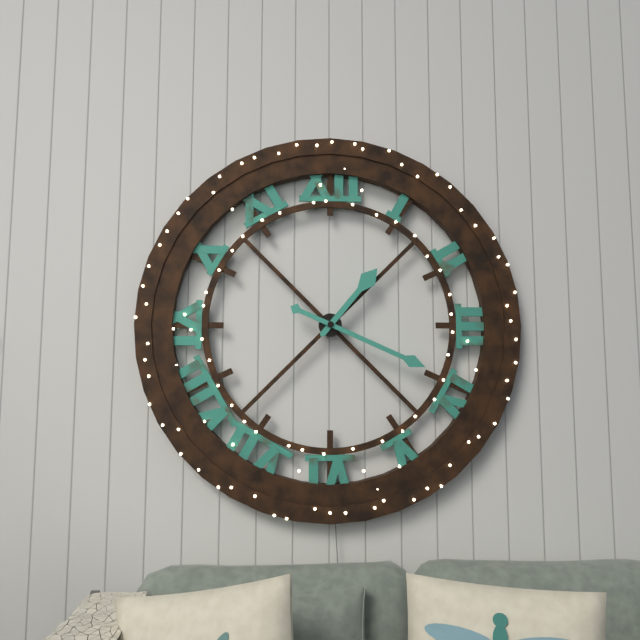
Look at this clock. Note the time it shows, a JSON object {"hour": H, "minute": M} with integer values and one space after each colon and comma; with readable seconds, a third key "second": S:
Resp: {"hour": 1, "minute": 19}
